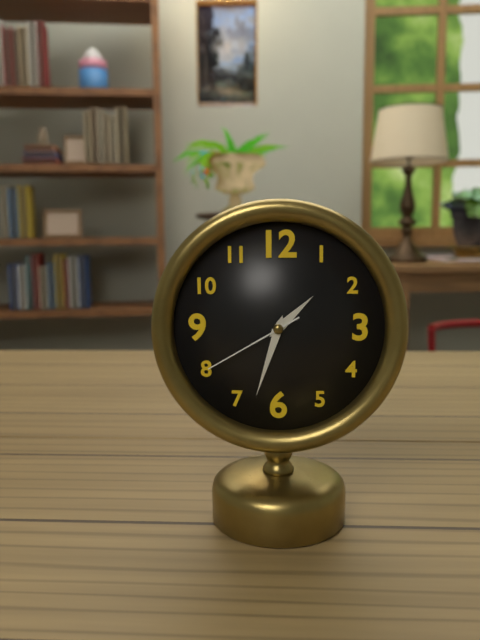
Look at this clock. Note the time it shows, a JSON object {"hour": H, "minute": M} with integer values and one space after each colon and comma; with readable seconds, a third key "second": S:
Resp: {"hour": 1, "minute": 33, "second": 40}
